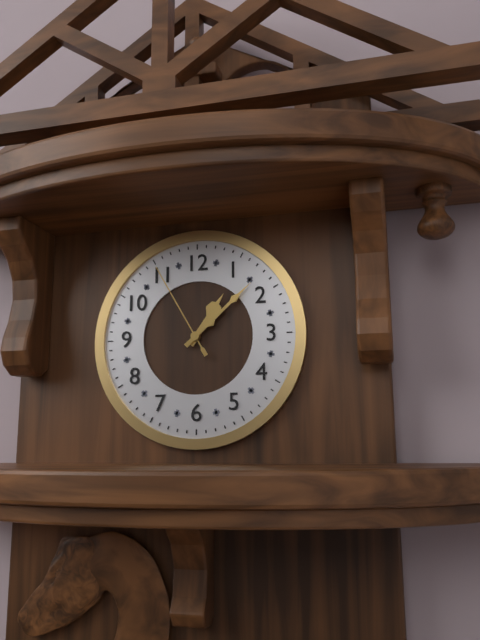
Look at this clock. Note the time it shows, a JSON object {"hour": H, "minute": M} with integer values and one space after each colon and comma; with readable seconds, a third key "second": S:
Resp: {"hour": 1, "minute": 8, "second": 55}
